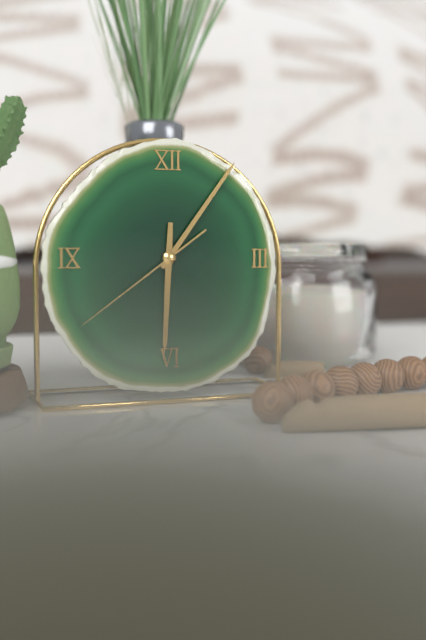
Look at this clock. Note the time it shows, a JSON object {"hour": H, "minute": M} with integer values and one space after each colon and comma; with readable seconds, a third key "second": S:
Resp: {"hour": 6, "minute": 6, "second": 39}
